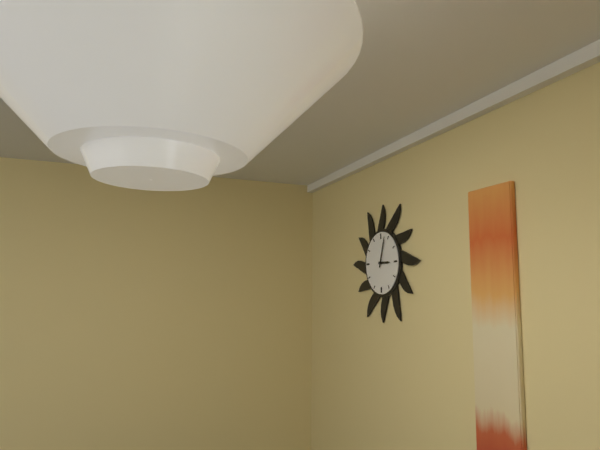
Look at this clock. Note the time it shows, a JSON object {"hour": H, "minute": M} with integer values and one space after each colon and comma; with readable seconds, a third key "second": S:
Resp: {"hour": 3, "minute": 3}
